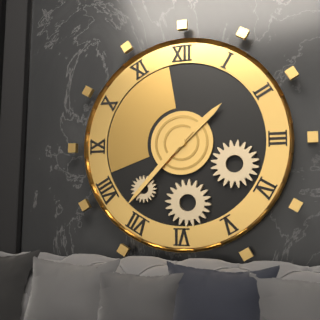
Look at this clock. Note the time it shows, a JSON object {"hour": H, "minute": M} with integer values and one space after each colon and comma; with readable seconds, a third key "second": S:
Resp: {"hour": 1, "minute": 37}
